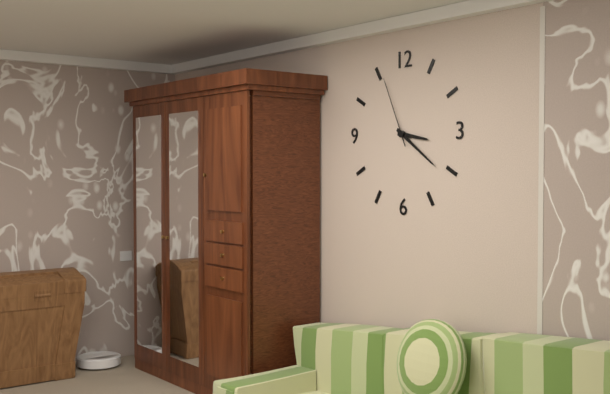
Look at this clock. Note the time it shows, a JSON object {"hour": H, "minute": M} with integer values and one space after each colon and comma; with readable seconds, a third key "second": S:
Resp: {"hour": 3, "minute": 21, "second": 56}
